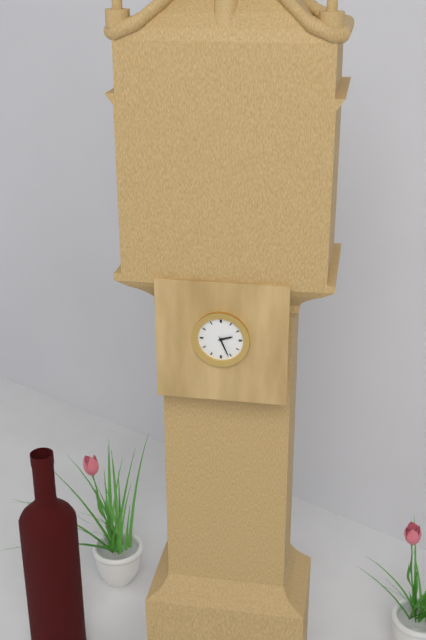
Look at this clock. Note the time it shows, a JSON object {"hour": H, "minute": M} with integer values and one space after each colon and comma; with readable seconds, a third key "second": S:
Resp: {"hour": 2, "minute": 26}
